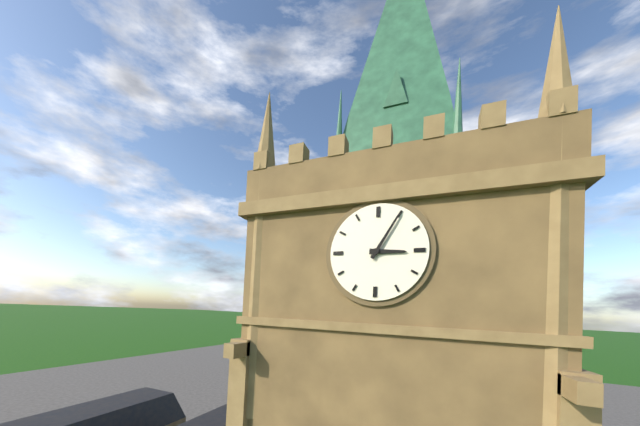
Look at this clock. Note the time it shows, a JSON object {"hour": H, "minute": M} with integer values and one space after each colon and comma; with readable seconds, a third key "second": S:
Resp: {"hour": 3, "minute": 5}
